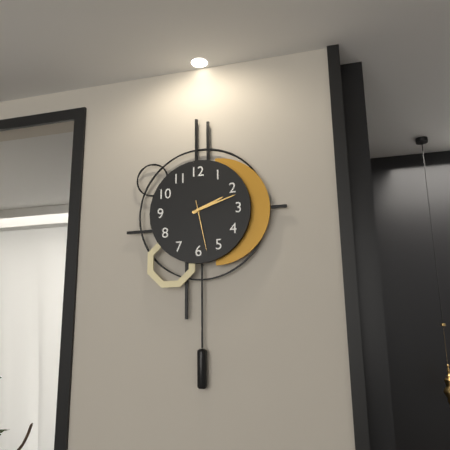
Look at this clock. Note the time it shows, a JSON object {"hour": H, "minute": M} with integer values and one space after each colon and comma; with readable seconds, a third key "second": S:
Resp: {"hour": 2, "minute": 12, "second": 28}
